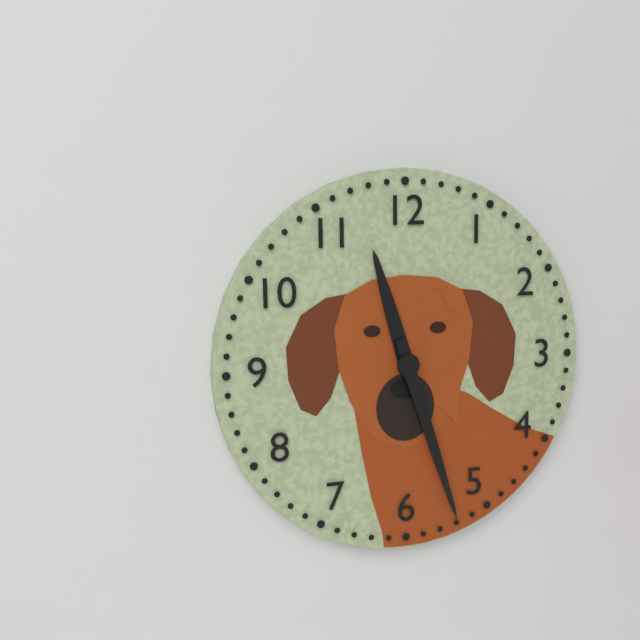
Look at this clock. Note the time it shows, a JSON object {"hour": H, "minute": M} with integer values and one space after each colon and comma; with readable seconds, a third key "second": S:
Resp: {"hour": 11, "minute": 27}
